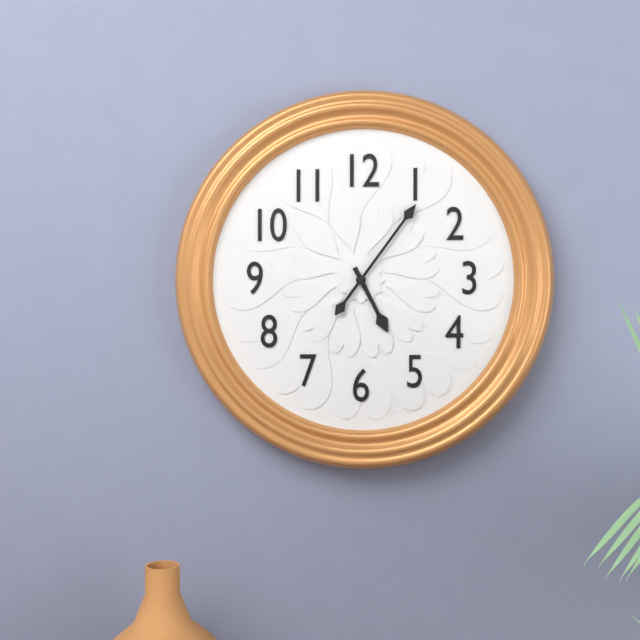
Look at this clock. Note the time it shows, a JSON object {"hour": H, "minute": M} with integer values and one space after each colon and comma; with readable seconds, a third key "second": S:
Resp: {"hour": 5, "minute": 6}
